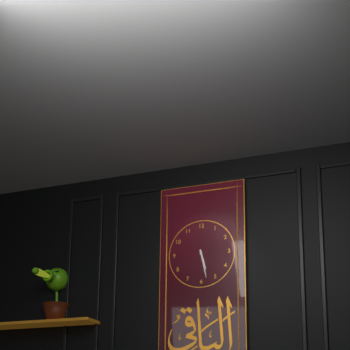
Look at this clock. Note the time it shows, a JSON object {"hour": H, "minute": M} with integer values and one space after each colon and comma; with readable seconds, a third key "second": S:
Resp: {"hour": 5, "minute": 28}
